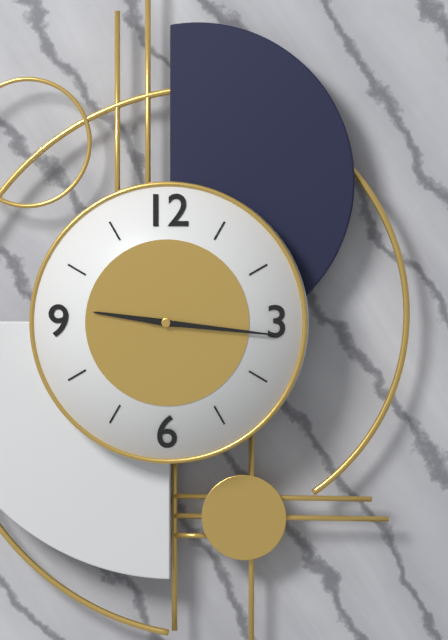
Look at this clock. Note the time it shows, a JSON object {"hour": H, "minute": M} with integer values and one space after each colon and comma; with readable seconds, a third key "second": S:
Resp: {"hour": 9, "minute": 16}
